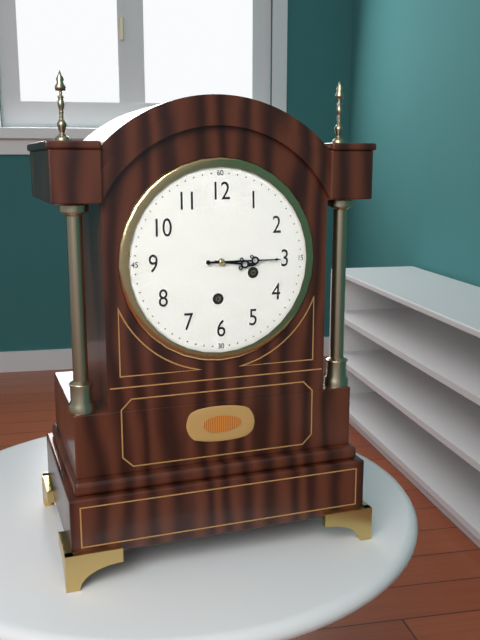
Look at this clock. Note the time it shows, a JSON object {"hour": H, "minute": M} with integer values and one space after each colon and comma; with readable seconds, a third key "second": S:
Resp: {"hour": 3, "minute": 15}
